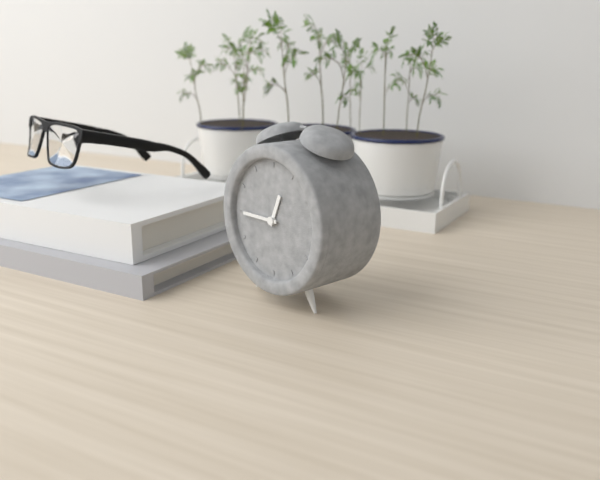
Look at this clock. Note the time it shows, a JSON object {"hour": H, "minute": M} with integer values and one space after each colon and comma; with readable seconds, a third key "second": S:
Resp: {"hour": 12, "minute": 45}
